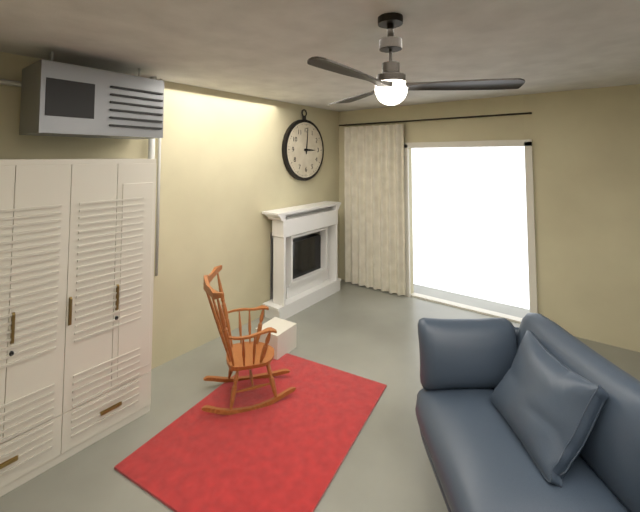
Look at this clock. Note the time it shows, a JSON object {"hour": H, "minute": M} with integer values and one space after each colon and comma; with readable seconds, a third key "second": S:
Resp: {"hour": 3, "minute": 1}
